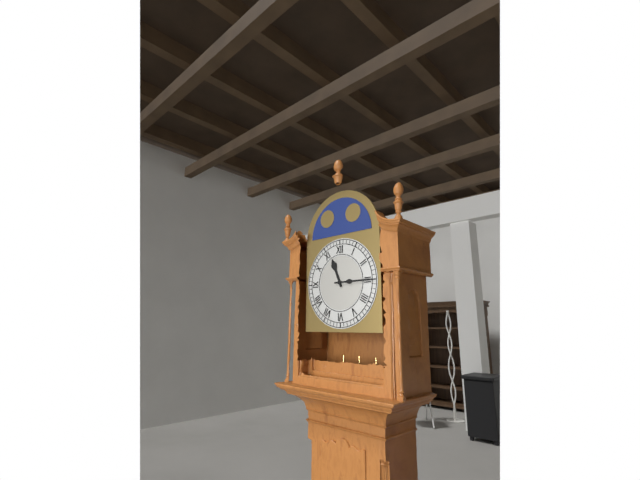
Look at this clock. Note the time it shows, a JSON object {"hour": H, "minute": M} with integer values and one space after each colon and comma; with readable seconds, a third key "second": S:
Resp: {"hour": 11, "minute": 15}
